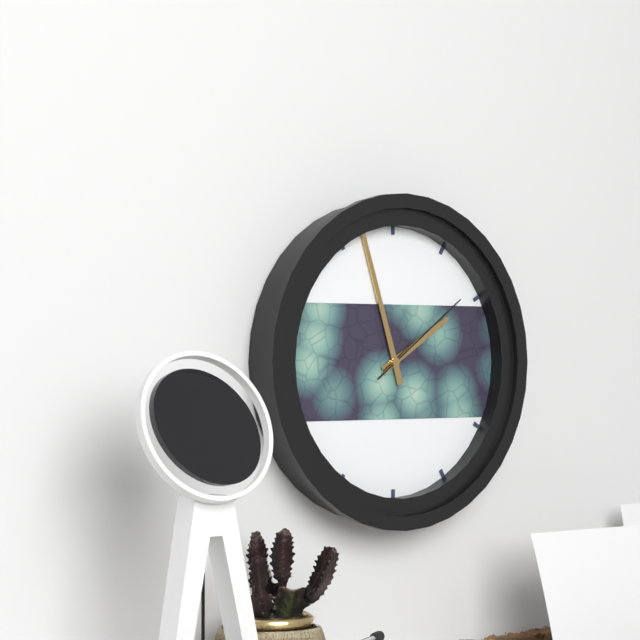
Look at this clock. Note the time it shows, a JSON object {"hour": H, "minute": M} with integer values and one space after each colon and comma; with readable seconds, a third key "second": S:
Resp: {"hour": 1, "minute": 57, "second": 9}
